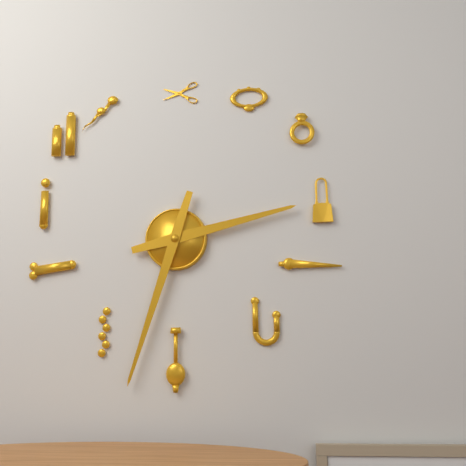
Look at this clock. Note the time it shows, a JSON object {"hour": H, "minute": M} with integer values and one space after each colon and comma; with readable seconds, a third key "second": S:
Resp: {"hour": 2, "minute": 33}
